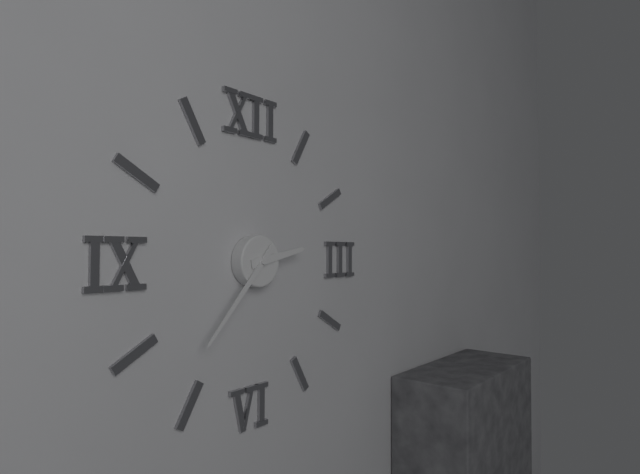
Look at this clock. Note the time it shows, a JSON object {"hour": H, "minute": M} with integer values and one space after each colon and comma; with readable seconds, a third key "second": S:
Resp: {"hour": 2, "minute": 37}
